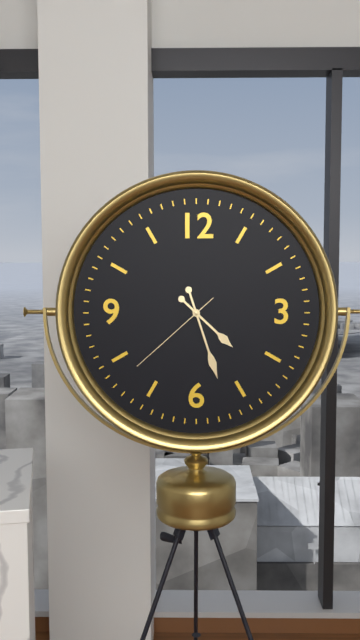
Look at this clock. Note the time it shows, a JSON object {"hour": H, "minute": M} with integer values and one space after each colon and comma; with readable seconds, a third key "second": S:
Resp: {"hour": 4, "minute": 27, "second": 38}
